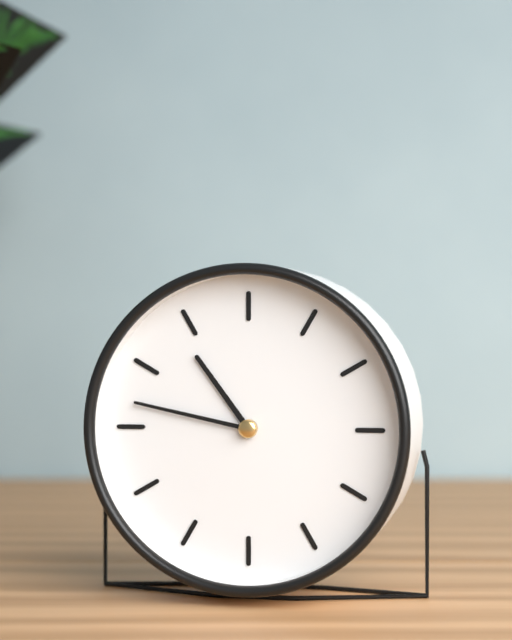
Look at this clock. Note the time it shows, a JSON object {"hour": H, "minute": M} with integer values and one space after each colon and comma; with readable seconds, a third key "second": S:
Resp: {"hour": 10, "minute": 47}
